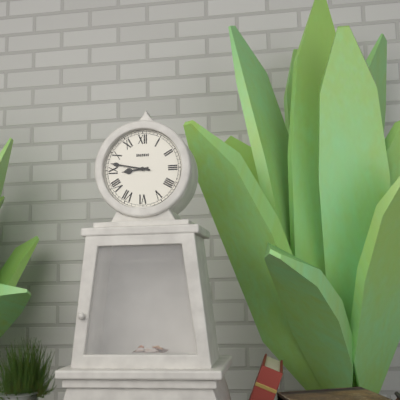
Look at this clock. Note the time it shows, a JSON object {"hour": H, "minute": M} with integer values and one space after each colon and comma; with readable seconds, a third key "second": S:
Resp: {"hour": 8, "minute": 47}
